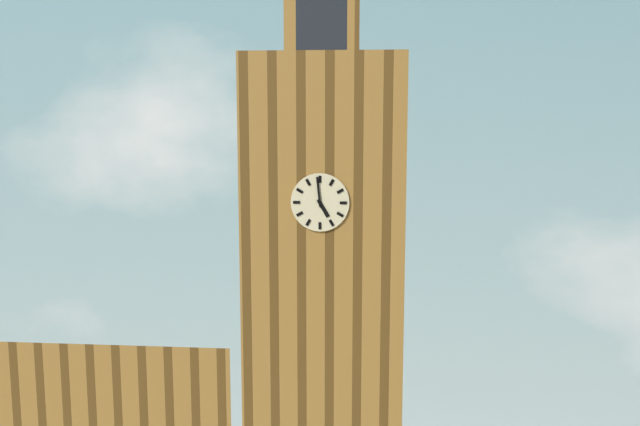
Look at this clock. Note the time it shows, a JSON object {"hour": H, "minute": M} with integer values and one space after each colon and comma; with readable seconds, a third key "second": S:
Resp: {"hour": 4, "minute": 59}
